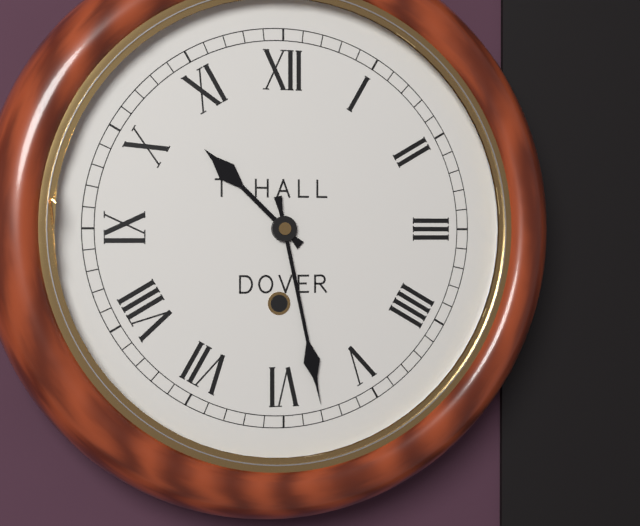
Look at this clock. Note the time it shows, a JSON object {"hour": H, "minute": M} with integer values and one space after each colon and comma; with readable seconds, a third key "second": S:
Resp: {"hour": 10, "minute": 28}
